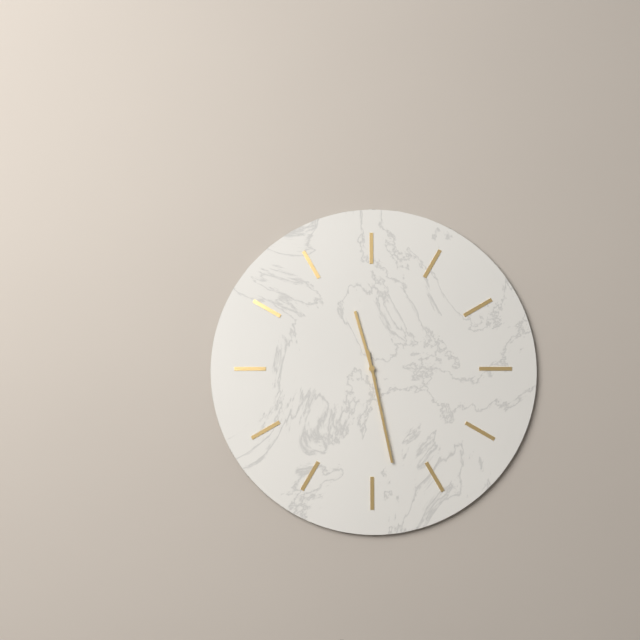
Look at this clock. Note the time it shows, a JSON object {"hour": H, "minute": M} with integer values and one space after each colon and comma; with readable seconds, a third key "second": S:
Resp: {"hour": 11, "minute": 28}
